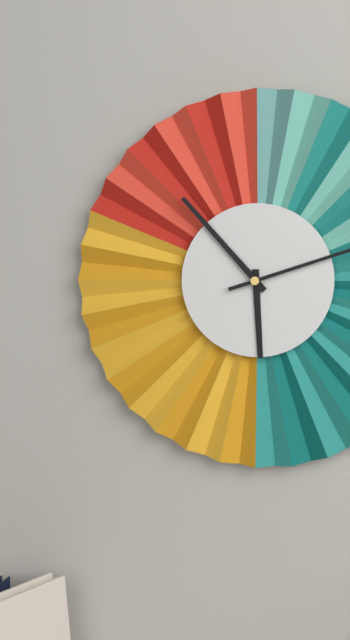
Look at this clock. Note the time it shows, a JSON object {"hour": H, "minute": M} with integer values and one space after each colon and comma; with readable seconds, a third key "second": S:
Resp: {"hour": 5, "minute": 53}
